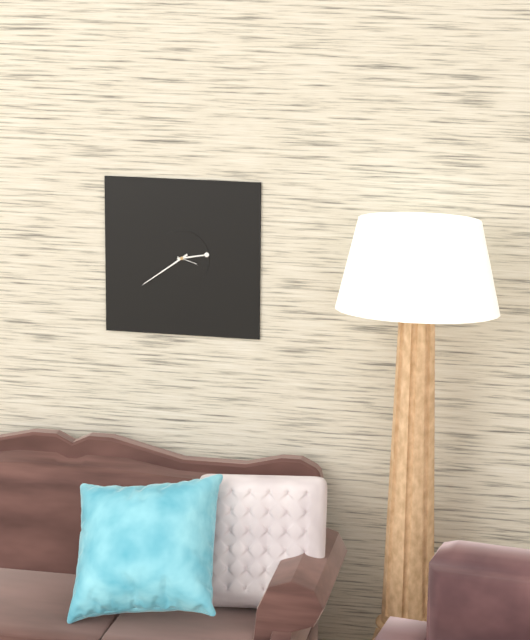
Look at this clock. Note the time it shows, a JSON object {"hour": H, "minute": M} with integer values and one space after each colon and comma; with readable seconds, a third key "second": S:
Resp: {"hour": 2, "minute": 39}
